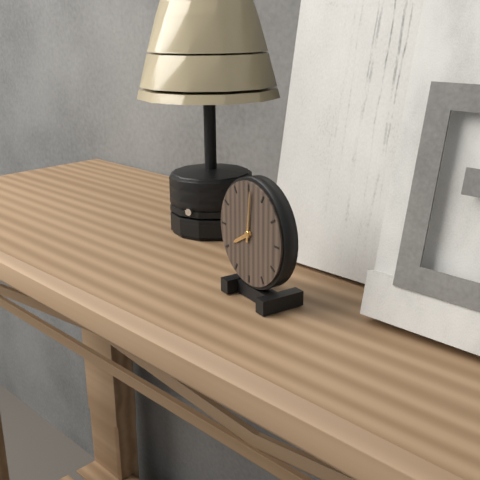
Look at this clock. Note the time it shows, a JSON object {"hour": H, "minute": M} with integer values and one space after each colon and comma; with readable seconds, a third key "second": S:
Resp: {"hour": 8, "minute": 1}
